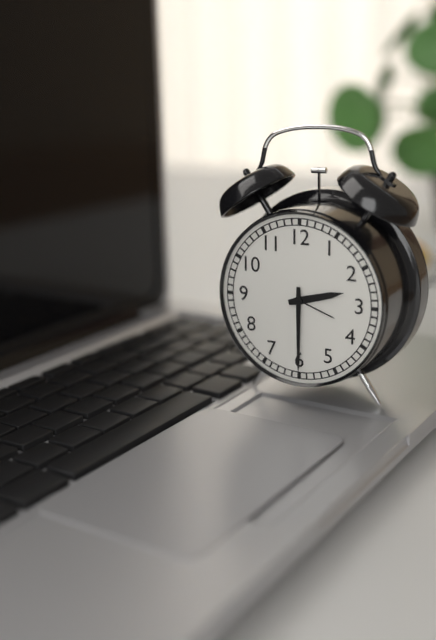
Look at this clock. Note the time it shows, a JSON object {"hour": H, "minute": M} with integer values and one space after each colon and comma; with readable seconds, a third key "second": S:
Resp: {"hour": 2, "minute": 30}
